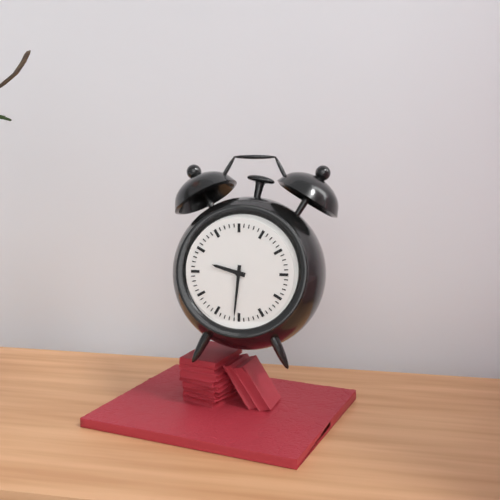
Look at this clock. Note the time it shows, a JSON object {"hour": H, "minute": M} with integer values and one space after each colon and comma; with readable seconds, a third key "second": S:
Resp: {"hour": 9, "minute": 31}
